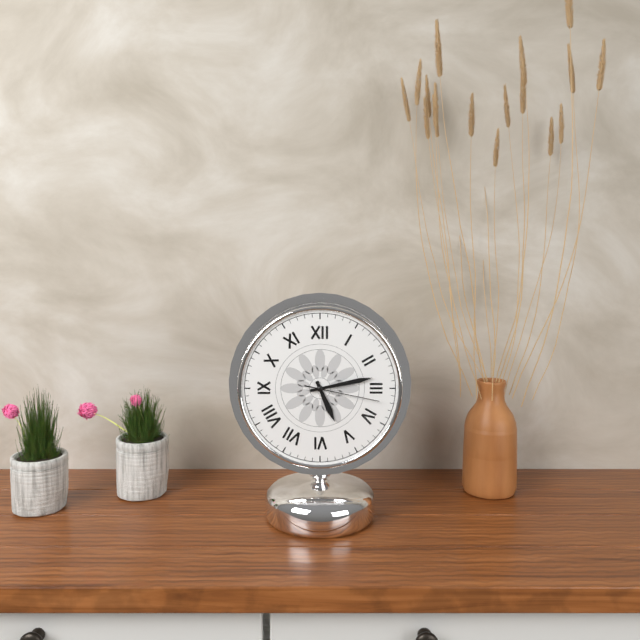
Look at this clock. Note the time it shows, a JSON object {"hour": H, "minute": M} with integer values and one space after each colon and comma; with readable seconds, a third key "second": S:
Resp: {"hour": 5, "minute": 13, "second": 17}
